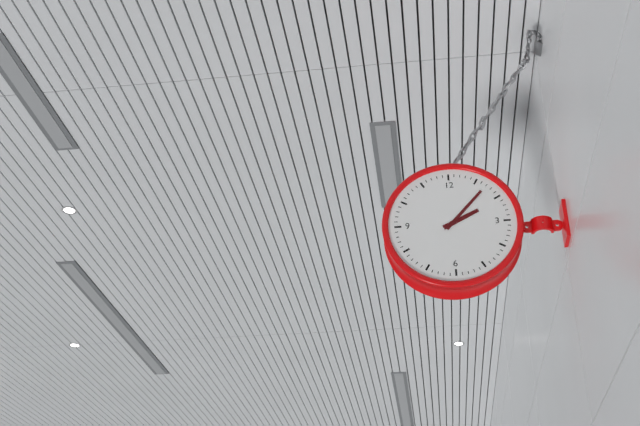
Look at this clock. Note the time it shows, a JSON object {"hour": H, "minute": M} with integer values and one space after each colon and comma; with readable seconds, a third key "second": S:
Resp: {"hour": 2, "minute": 7}
